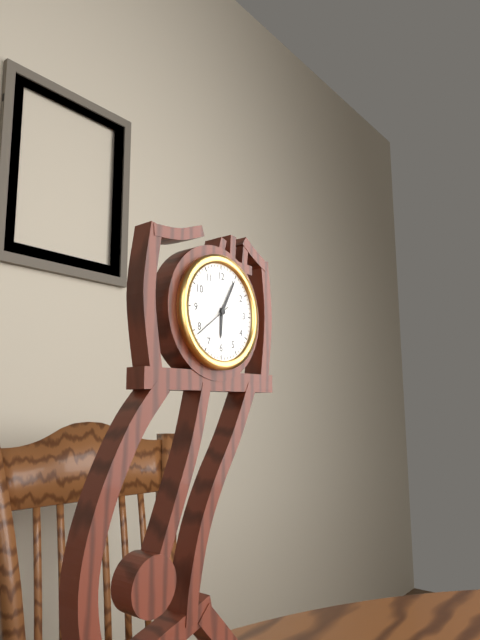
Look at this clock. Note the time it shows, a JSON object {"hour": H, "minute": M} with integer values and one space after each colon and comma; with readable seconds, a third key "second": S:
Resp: {"hour": 6, "minute": 5}
